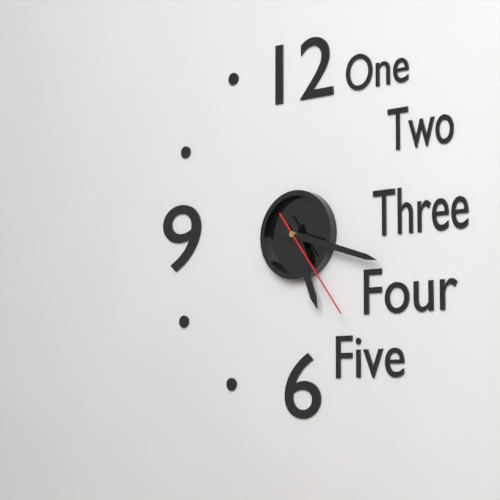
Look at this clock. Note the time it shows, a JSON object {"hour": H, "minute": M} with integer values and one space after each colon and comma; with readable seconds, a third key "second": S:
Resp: {"hour": 5, "minute": 18, "second": 24}
